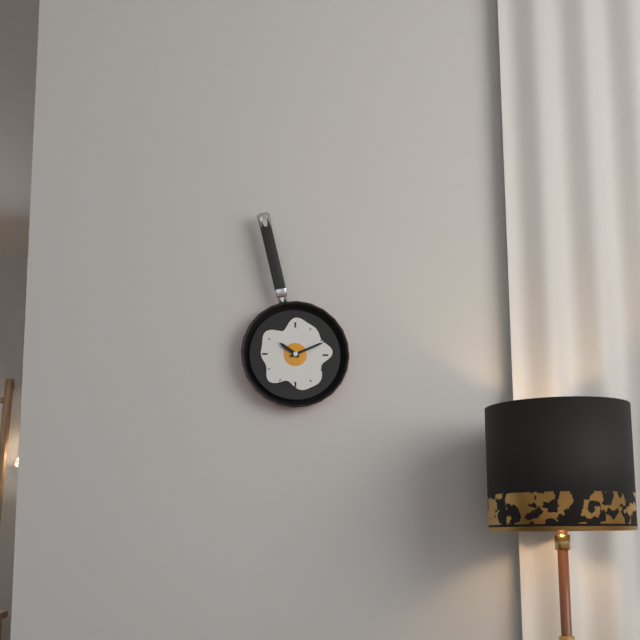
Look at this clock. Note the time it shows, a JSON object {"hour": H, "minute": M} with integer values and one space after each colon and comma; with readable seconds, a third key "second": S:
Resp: {"hour": 10, "minute": 11}
